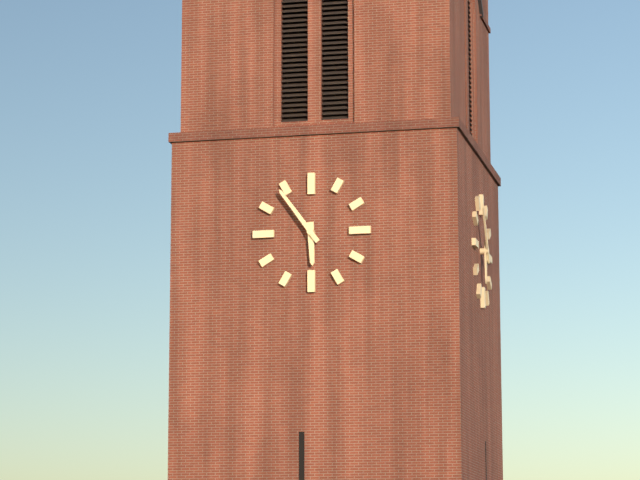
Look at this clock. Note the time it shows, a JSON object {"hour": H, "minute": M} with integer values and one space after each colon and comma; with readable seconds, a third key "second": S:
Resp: {"hour": 5, "minute": 54}
